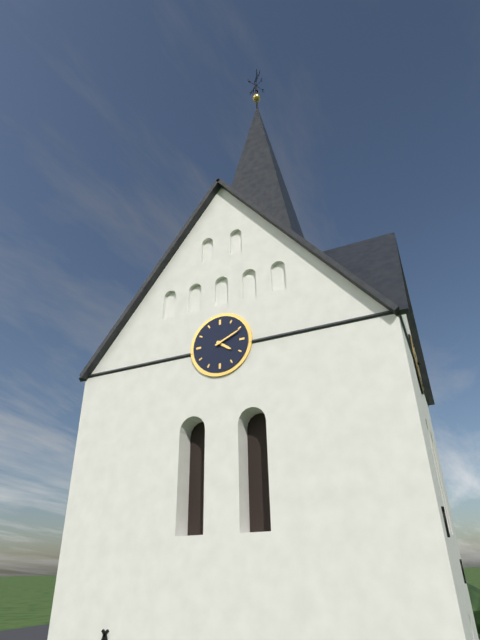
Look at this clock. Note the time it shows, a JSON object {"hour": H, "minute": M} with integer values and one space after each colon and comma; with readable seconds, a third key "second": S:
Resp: {"hour": 4, "minute": 11}
